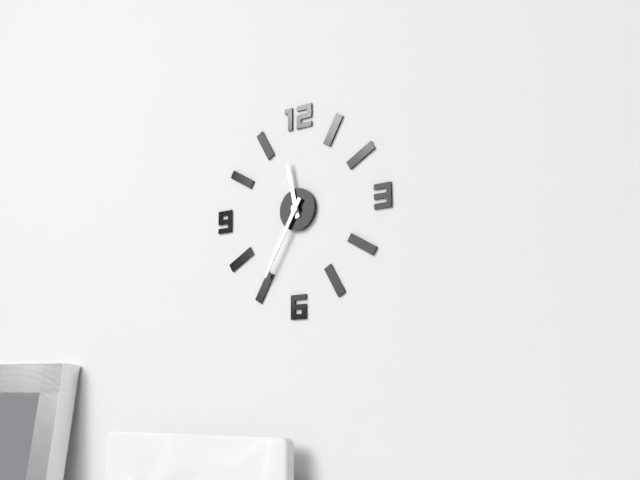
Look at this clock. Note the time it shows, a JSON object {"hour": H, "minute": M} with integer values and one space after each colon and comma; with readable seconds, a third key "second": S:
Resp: {"hour": 11, "minute": 35}
